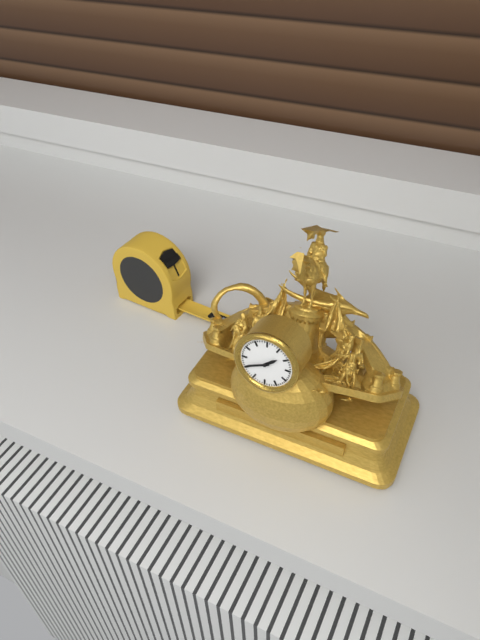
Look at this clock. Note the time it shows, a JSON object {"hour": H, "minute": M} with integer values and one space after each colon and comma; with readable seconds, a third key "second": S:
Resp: {"hour": 1, "minute": 41}
